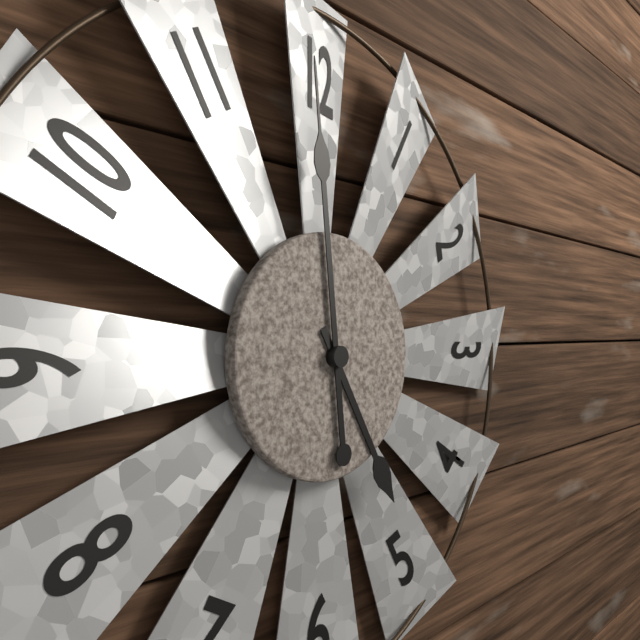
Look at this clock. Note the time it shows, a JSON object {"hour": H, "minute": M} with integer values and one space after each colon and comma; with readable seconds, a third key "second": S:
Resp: {"hour": 4, "minute": 59}
